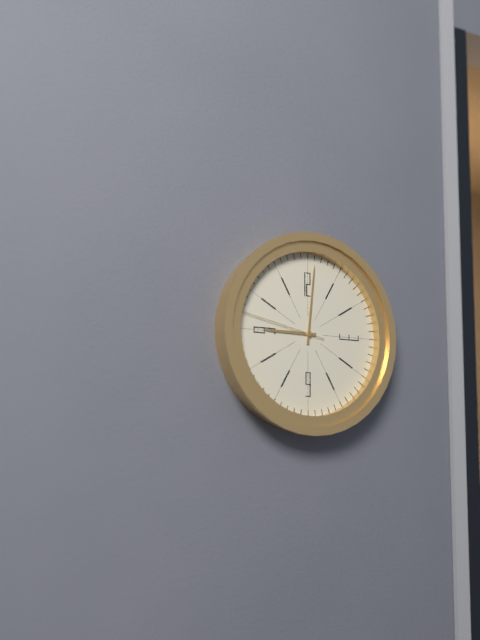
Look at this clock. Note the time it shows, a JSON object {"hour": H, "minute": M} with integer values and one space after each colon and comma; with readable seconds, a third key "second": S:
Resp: {"hour": 9, "minute": 1, "second": 47}
